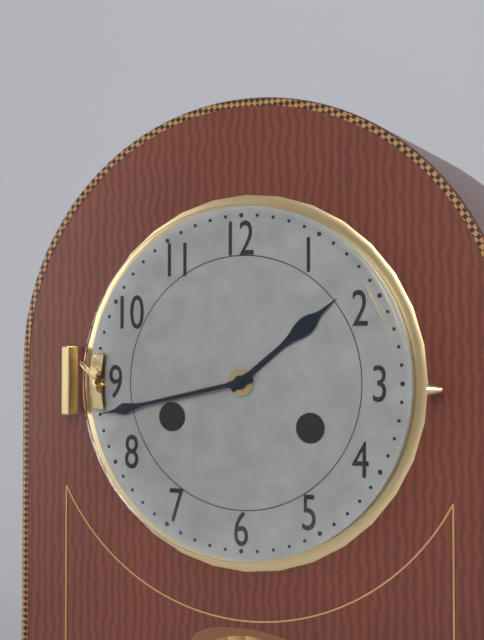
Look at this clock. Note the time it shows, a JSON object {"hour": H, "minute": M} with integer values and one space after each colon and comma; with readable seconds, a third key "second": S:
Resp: {"hour": 1, "minute": 43}
